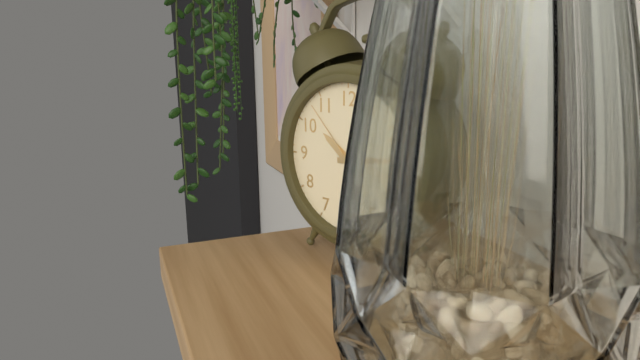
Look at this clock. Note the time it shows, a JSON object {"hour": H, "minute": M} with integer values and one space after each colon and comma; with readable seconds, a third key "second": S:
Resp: {"hour": 10, "minute": 14, "second": 53}
